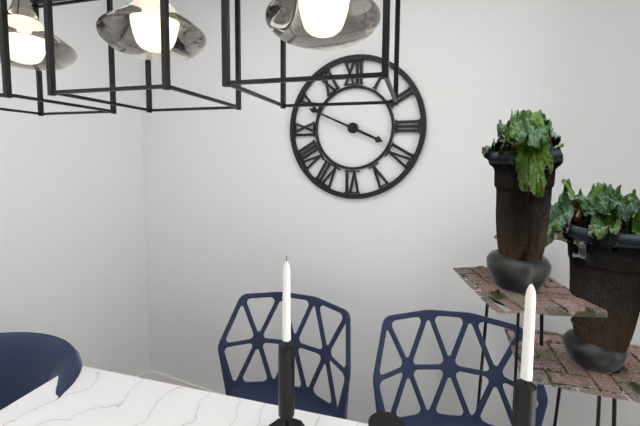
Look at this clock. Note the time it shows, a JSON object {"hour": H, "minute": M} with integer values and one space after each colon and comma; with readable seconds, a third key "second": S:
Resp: {"hour": 3, "minute": 49}
